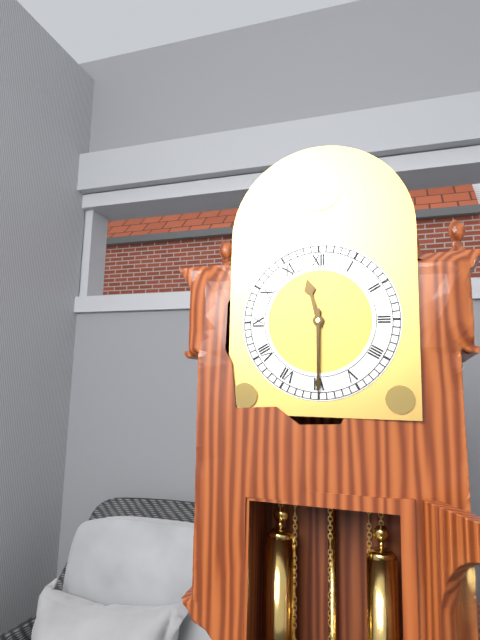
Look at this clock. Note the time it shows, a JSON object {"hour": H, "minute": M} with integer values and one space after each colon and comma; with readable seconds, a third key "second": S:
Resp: {"hour": 11, "minute": 30}
